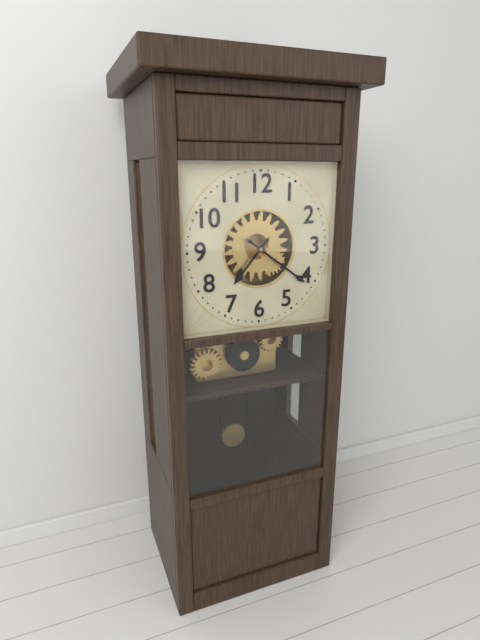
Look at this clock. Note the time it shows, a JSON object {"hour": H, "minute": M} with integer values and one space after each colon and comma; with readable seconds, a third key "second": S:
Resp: {"hour": 7, "minute": 21}
